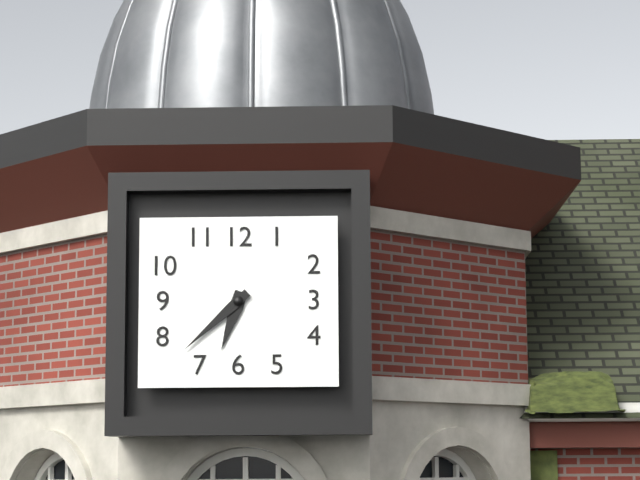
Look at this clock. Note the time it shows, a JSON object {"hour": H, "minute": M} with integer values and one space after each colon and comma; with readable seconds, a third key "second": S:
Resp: {"hour": 6, "minute": 38}
